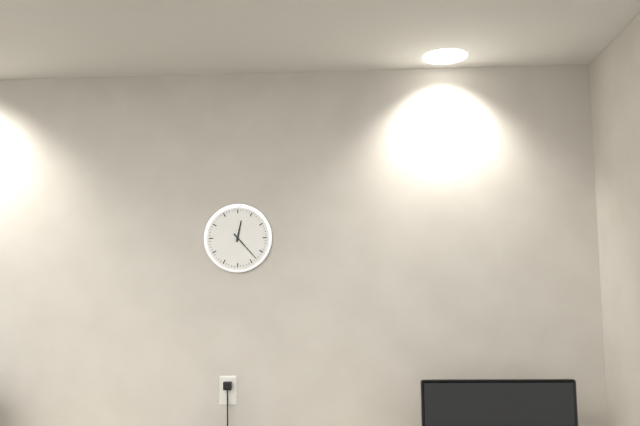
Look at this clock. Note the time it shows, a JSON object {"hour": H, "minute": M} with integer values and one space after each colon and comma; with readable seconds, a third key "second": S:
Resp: {"hour": 12, "minute": 23}
